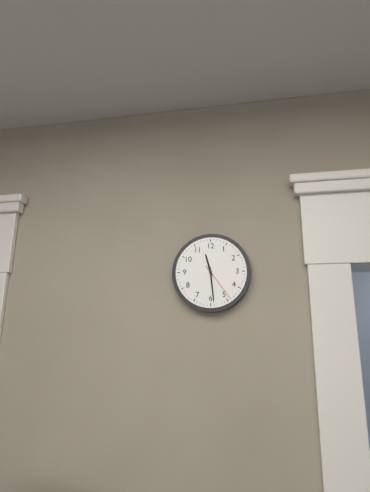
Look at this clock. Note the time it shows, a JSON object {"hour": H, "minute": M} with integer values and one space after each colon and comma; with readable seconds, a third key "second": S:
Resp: {"hour": 11, "minute": 29}
